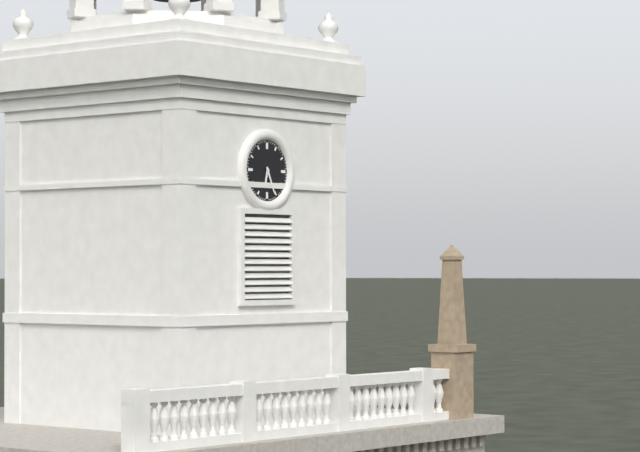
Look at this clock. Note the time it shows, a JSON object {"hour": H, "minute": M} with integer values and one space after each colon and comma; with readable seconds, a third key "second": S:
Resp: {"hour": 6, "minute": 26}
